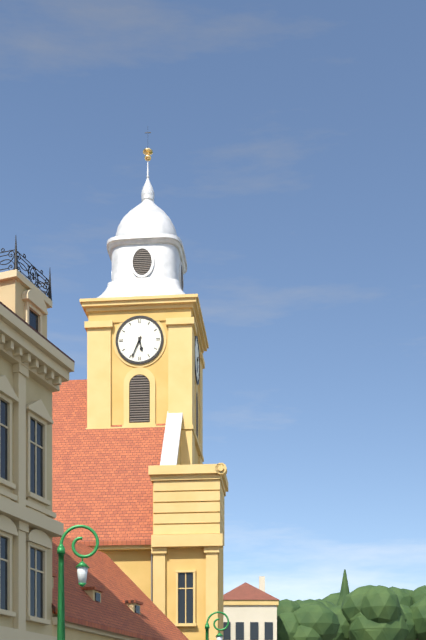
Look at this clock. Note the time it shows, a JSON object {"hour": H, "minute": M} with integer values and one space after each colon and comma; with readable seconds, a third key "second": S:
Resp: {"hour": 5, "minute": 34}
